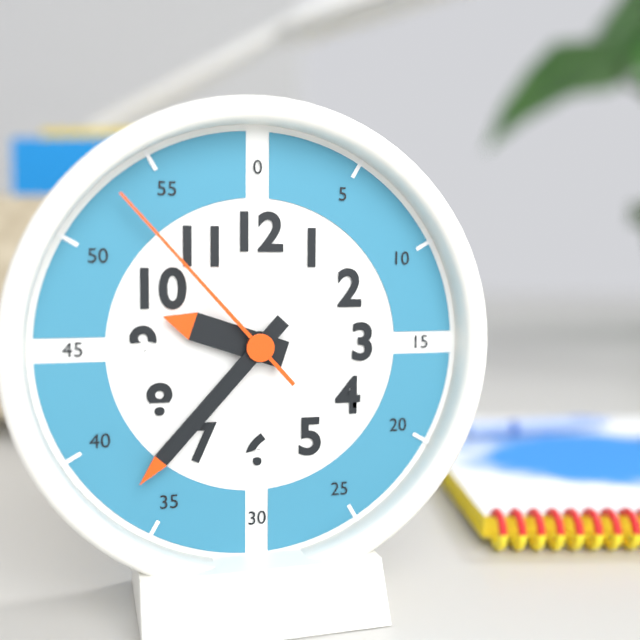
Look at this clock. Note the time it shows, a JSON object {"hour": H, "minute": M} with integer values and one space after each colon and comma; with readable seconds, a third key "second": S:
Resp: {"hour": 9, "minute": 37, "second": 53}
